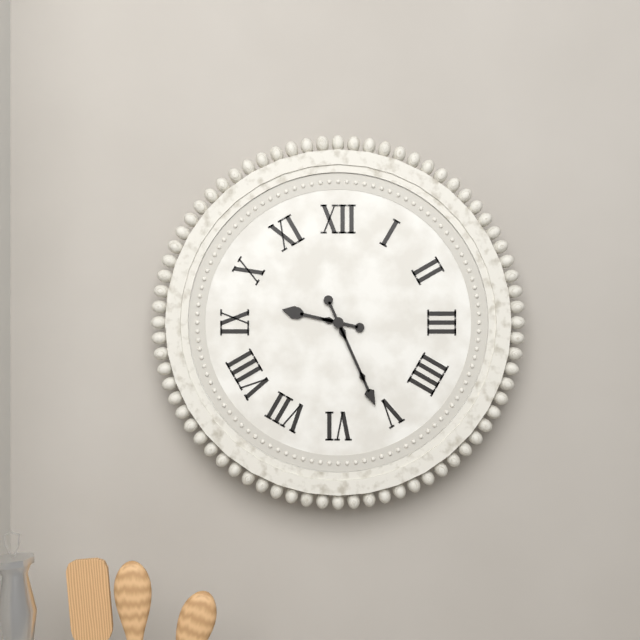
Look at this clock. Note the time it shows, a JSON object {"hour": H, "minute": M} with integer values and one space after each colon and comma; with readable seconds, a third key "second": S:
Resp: {"hour": 9, "minute": 26}
